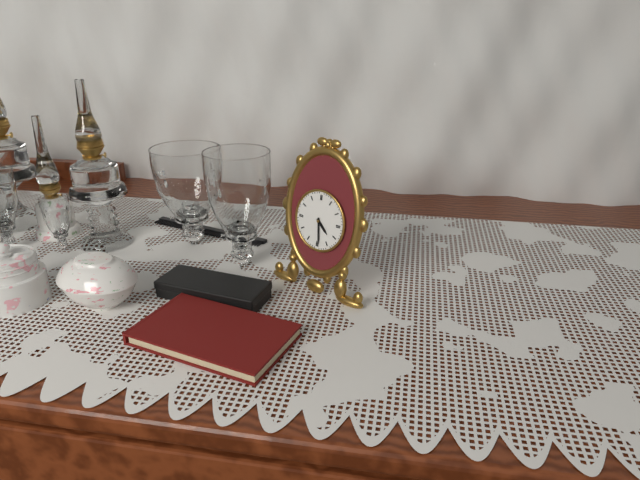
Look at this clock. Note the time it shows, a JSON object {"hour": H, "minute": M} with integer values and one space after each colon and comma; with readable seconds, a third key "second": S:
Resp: {"hour": 4, "minute": 29}
